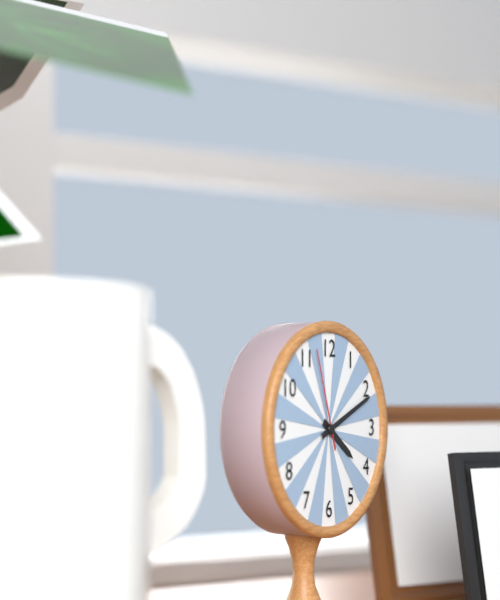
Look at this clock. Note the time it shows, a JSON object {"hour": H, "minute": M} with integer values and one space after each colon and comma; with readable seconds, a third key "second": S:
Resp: {"hour": 4, "minute": 11, "second": 57}
